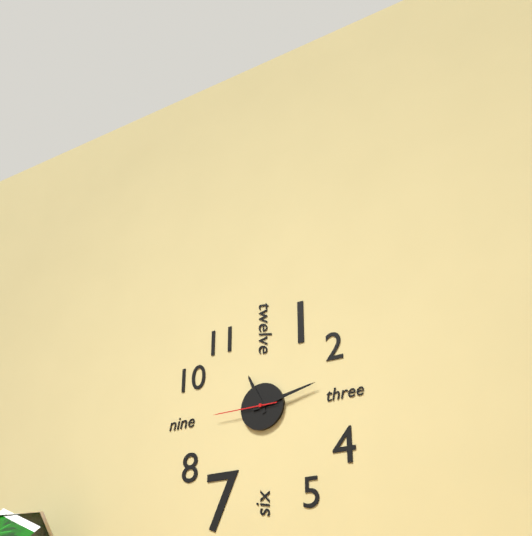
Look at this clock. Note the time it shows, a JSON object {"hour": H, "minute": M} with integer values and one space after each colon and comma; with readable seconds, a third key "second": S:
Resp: {"hour": 11, "minute": 13, "second": 45}
